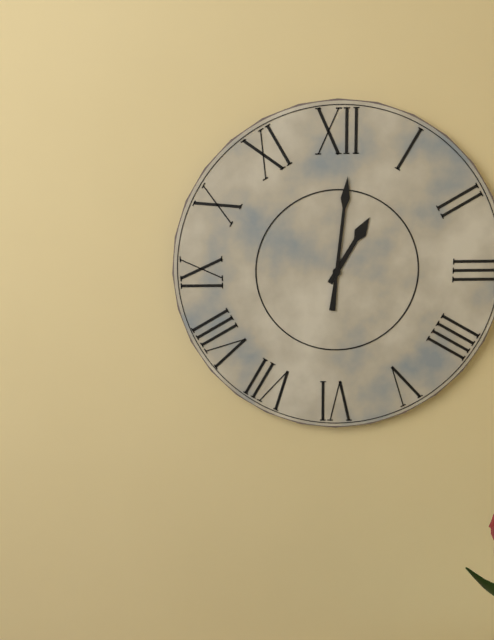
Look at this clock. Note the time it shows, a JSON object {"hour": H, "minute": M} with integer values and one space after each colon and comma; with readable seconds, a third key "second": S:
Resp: {"hour": 1, "minute": 1}
